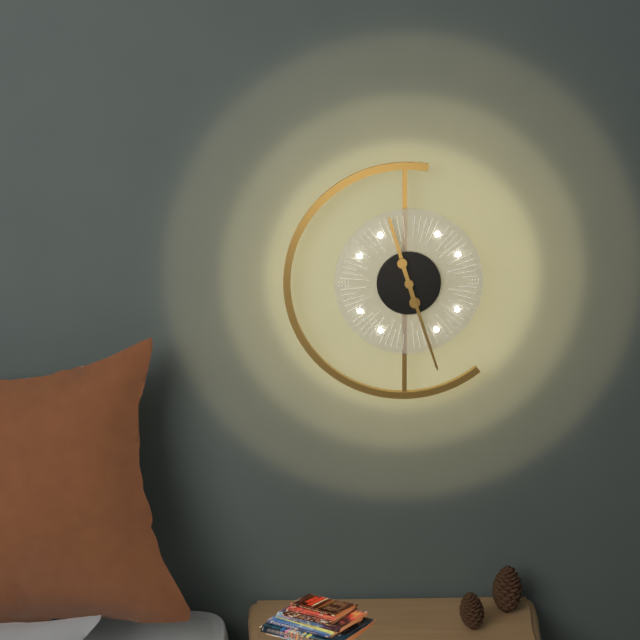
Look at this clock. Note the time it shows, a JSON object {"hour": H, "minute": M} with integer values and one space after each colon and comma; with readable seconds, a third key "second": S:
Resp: {"hour": 11, "minute": 27}
